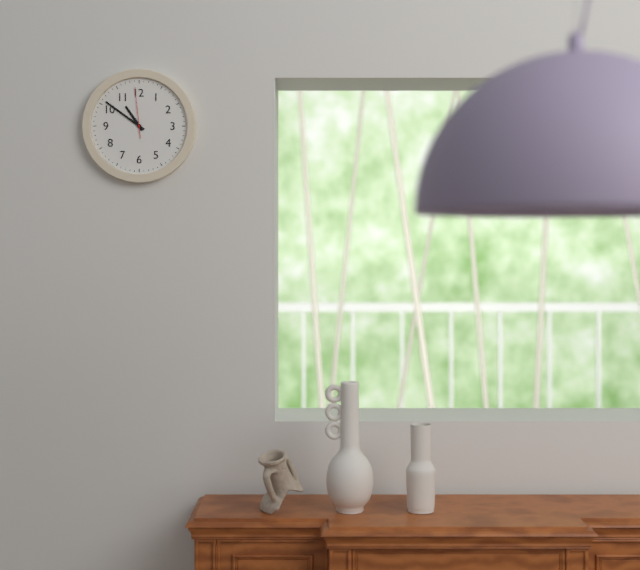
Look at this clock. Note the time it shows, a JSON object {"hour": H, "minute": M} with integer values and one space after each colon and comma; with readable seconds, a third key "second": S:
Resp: {"hour": 10, "minute": 51}
